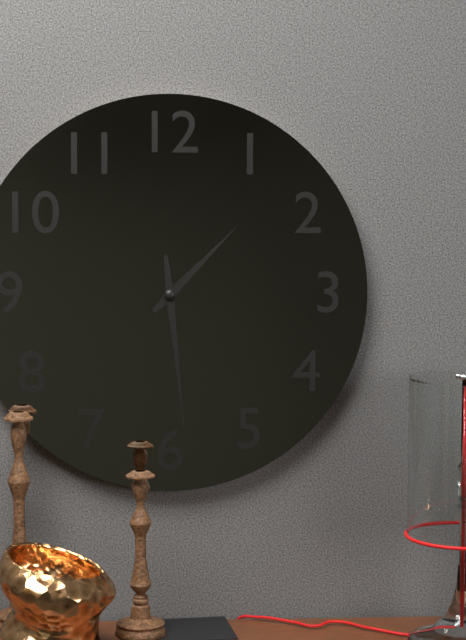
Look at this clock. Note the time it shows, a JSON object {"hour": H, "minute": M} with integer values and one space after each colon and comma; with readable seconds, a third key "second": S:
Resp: {"hour": 1, "minute": 29}
